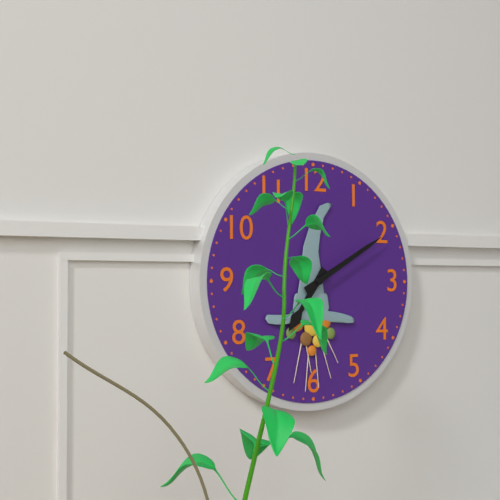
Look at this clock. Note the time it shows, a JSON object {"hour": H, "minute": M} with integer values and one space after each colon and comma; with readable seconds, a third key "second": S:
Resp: {"hour": 7, "minute": 10}
